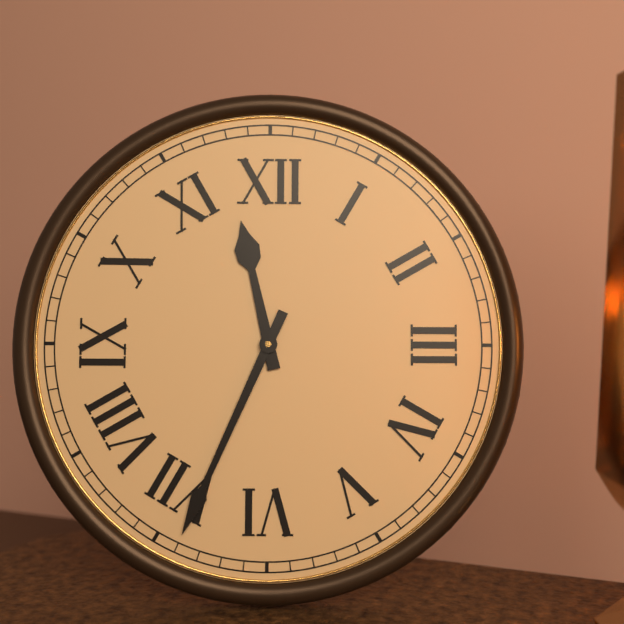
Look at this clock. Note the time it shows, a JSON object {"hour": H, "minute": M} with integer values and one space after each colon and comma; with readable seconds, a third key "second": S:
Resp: {"hour": 11, "minute": 34}
